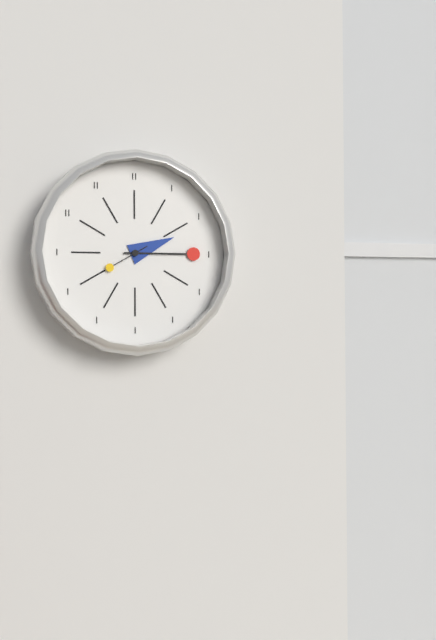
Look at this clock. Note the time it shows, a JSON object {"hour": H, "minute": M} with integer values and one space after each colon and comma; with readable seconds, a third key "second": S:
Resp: {"hour": 2, "minute": 15}
